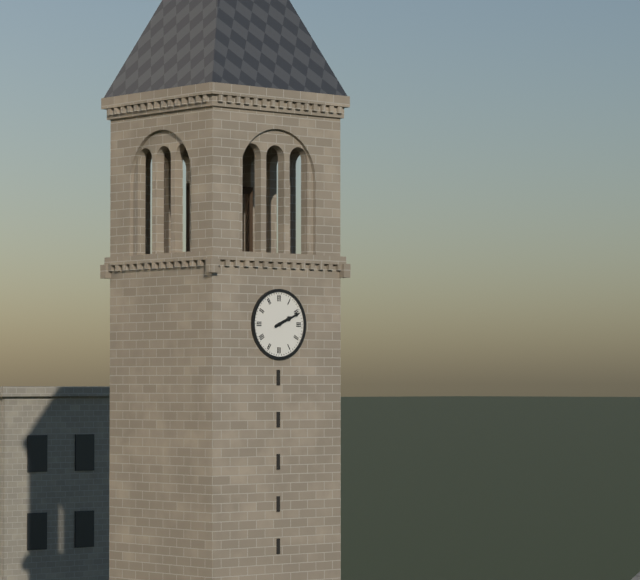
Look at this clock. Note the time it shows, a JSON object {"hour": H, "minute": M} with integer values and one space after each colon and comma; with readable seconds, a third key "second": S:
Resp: {"hour": 2, "minute": 11}
